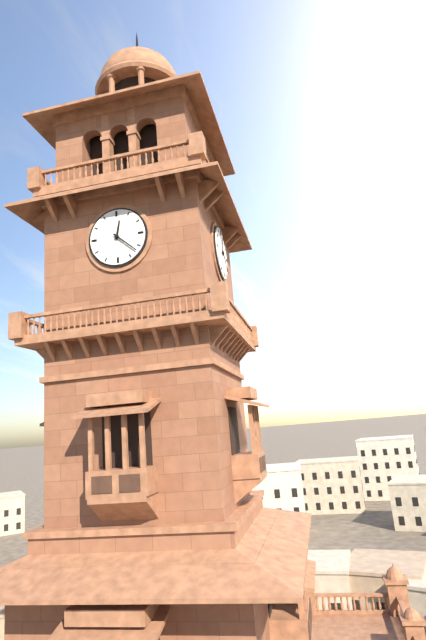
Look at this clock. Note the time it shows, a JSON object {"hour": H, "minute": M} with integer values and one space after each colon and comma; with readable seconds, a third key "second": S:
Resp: {"hour": 12, "minute": 22}
